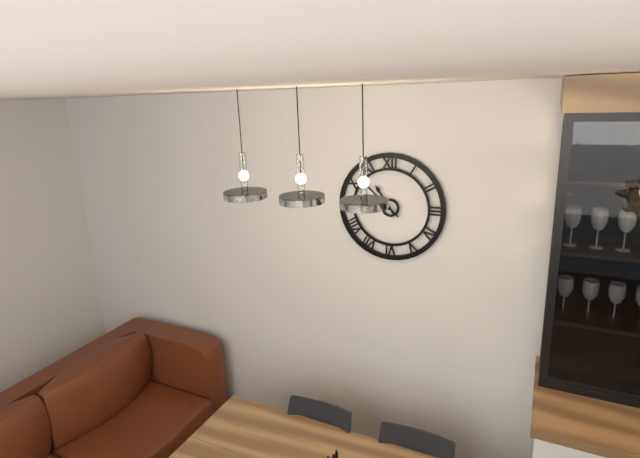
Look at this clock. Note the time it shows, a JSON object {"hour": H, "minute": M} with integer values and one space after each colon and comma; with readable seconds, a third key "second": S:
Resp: {"hour": 10, "minute": 52}
